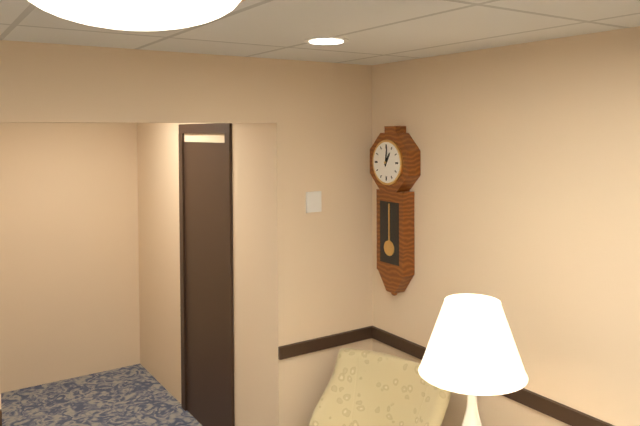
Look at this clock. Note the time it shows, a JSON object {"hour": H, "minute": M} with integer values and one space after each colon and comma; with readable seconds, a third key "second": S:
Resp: {"hour": 1, "minute": 1}
